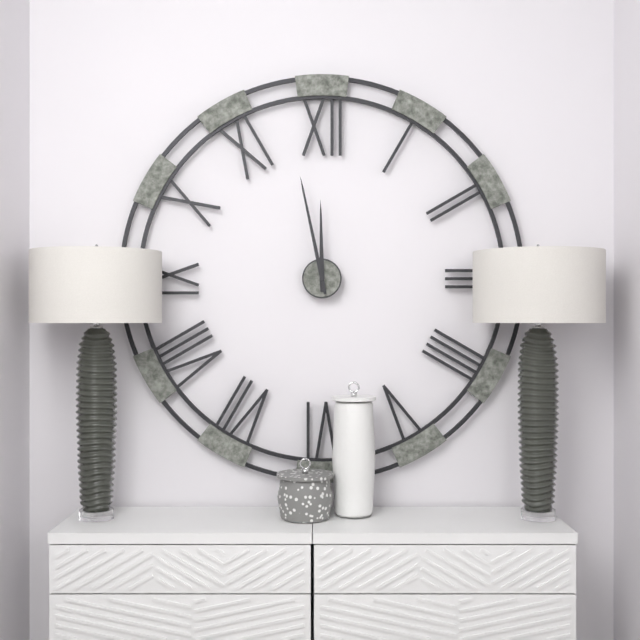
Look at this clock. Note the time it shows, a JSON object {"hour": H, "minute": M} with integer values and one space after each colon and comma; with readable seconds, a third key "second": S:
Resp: {"hour": 11, "minute": 58}
